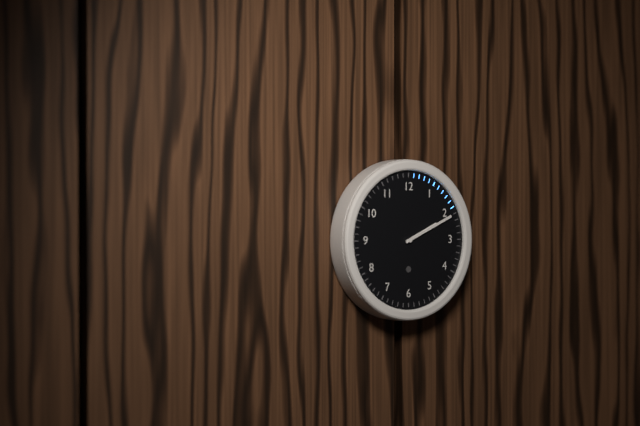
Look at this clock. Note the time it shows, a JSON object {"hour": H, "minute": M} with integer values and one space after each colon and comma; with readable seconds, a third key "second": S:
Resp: {"hour": 2, "minute": 11}
